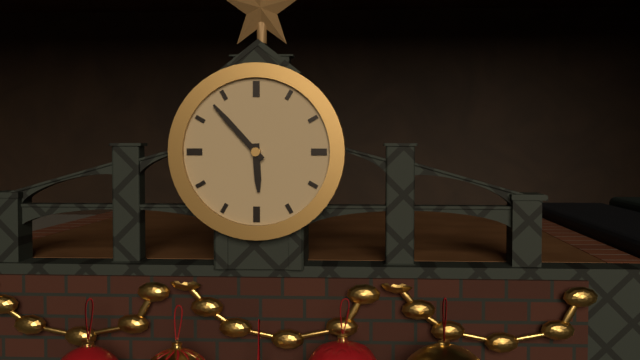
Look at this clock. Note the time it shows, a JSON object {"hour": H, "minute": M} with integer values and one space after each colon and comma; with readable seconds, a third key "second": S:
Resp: {"hour": 5, "minute": 53}
